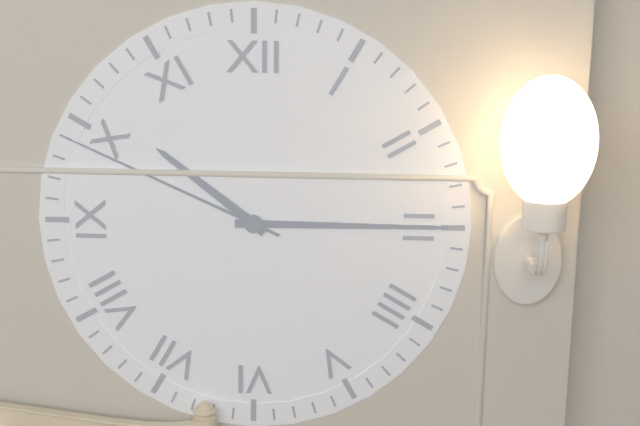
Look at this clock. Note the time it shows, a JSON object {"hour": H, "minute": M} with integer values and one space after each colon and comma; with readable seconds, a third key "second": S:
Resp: {"hour": 10, "minute": 15, "second": 49}
